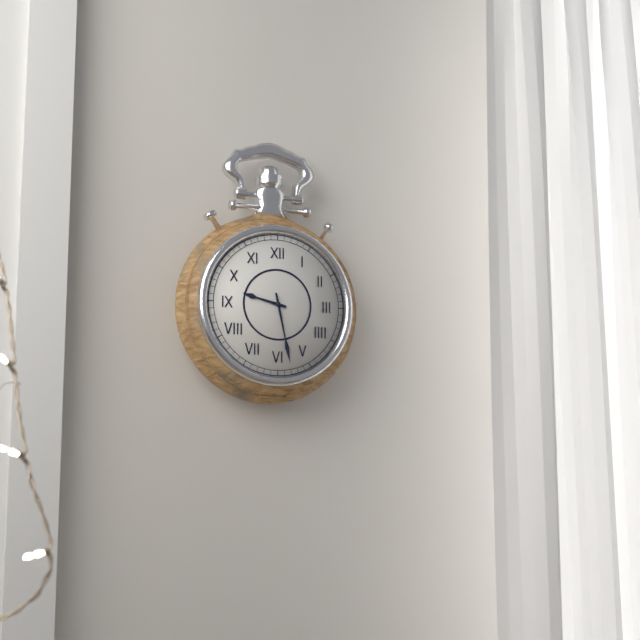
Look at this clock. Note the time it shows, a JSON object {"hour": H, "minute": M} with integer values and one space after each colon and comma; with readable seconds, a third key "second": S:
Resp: {"hour": 9, "minute": 28}
